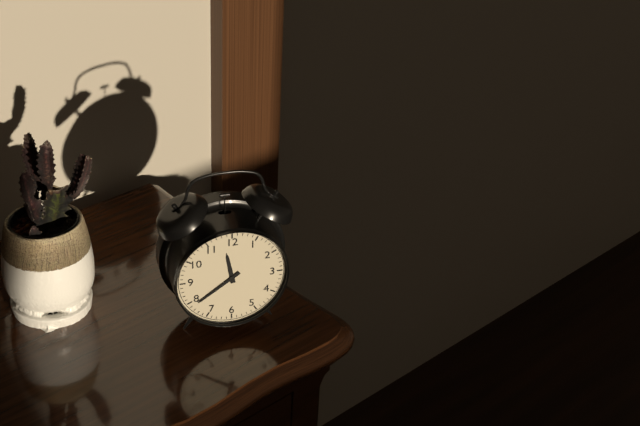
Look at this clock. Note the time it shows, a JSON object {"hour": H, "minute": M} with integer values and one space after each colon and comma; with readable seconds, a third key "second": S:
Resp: {"hour": 11, "minute": 39}
